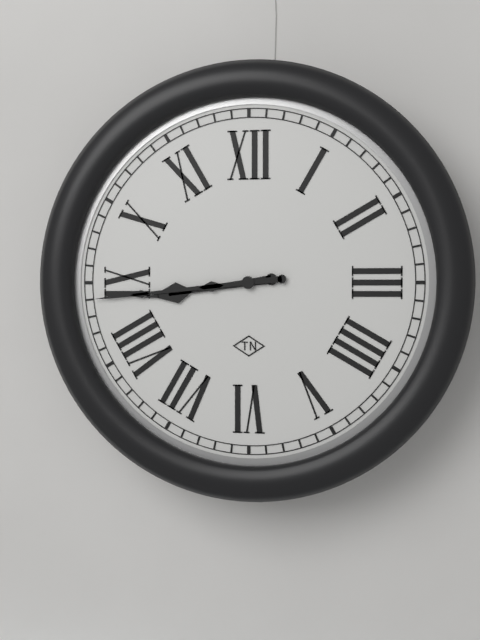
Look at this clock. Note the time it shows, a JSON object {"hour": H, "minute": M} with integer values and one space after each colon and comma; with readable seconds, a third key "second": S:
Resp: {"hour": 8, "minute": 44}
